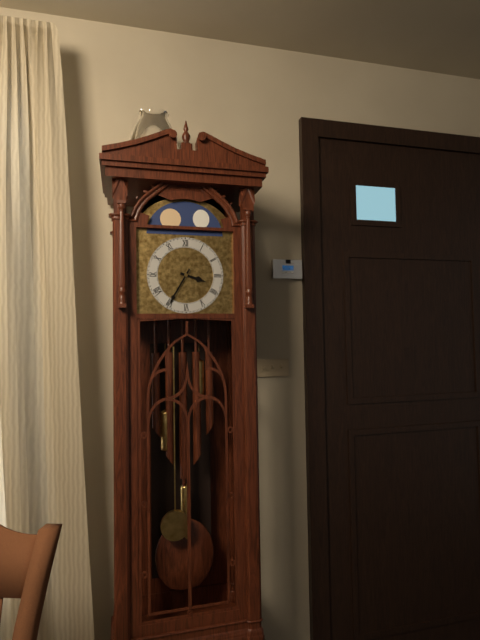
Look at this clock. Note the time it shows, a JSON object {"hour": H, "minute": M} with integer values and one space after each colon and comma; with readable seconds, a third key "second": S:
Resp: {"hour": 3, "minute": 35}
